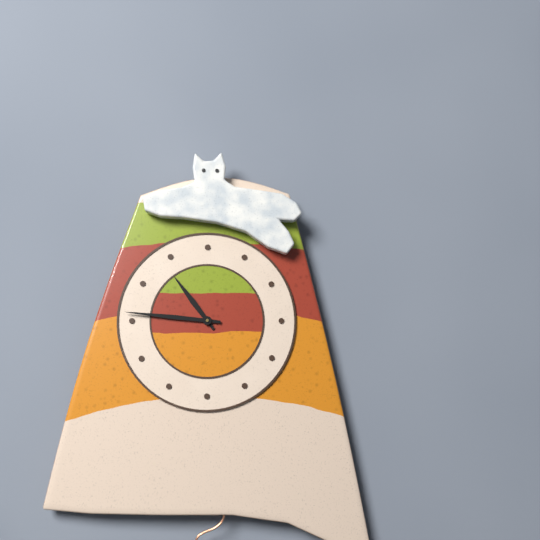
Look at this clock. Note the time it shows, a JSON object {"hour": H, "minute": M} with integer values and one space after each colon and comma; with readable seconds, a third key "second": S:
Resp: {"hour": 10, "minute": 46}
